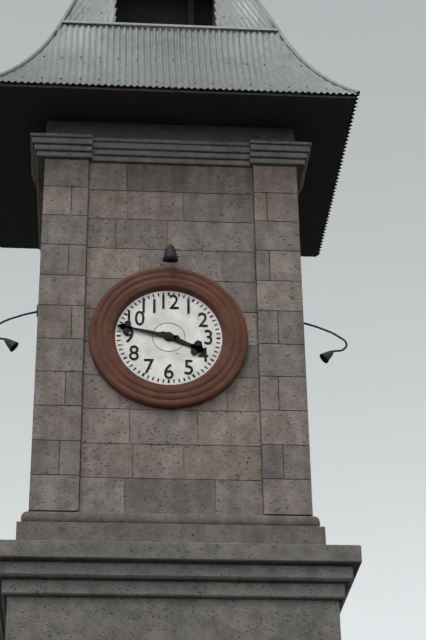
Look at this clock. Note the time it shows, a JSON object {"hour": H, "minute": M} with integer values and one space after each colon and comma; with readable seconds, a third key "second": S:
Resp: {"hour": 3, "minute": 47}
